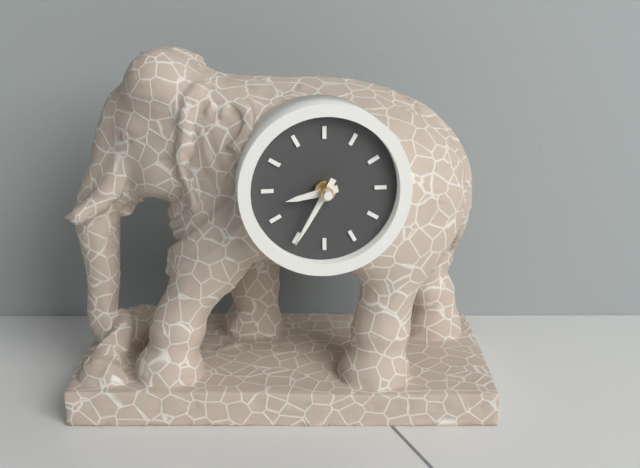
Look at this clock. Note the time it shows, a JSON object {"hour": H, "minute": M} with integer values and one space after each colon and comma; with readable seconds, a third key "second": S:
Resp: {"hour": 8, "minute": 35}
